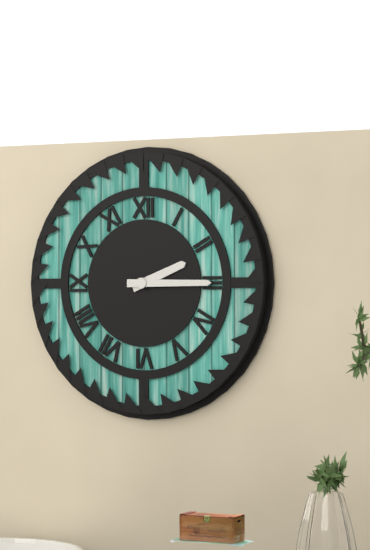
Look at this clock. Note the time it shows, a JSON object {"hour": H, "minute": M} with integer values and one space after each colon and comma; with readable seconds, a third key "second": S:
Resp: {"hour": 2, "minute": 15}
